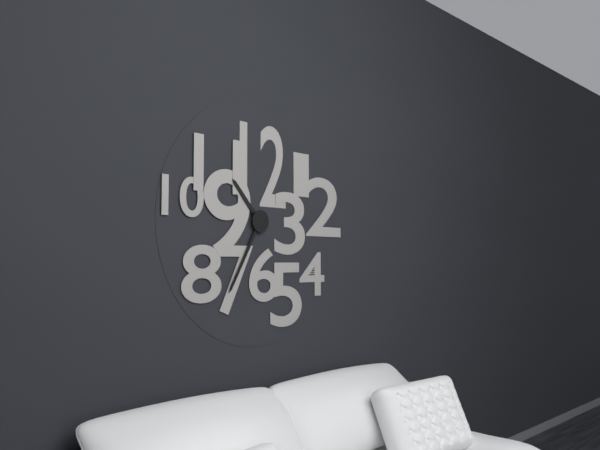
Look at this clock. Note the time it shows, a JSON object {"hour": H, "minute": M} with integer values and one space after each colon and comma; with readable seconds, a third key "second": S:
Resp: {"hour": 10, "minute": 35}
